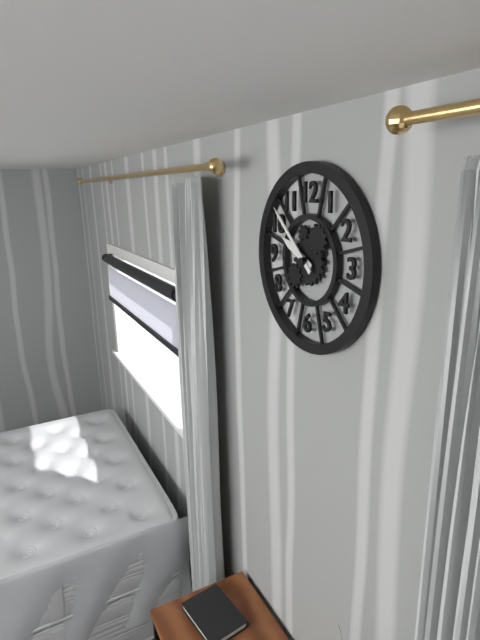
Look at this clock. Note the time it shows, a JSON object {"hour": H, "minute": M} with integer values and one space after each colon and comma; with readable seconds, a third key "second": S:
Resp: {"hour": 9, "minute": 52}
